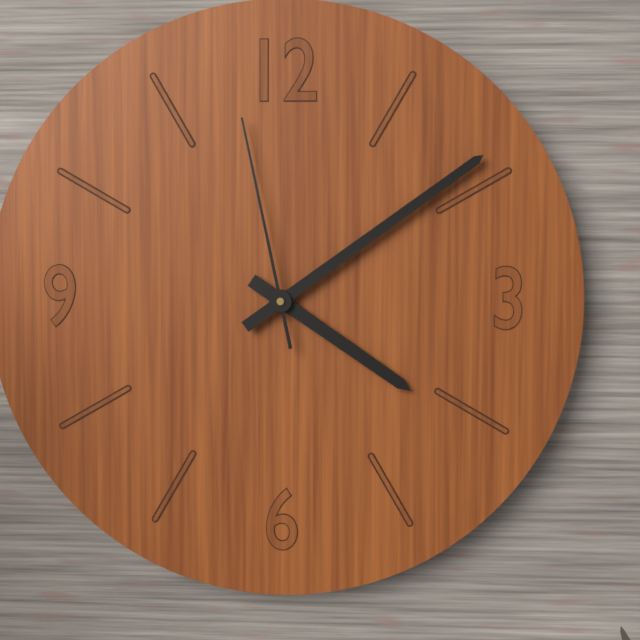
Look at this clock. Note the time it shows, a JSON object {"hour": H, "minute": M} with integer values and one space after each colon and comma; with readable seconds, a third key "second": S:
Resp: {"hour": 4, "minute": 9, "second": 58}
